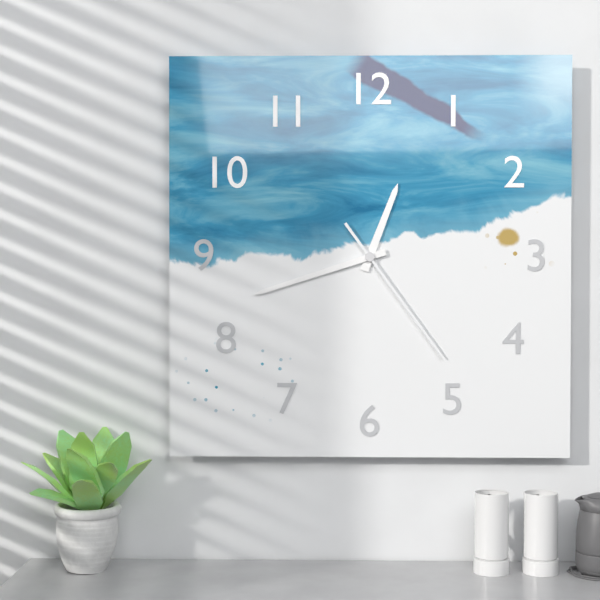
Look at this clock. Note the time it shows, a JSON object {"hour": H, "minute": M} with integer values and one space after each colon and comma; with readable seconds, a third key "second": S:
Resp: {"hour": 12, "minute": 42, "second": 24}
